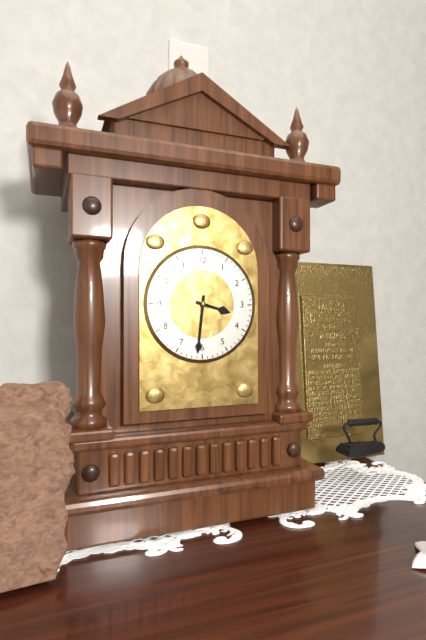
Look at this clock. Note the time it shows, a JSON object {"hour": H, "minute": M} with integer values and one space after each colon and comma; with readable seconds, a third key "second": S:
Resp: {"hour": 3, "minute": 31}
